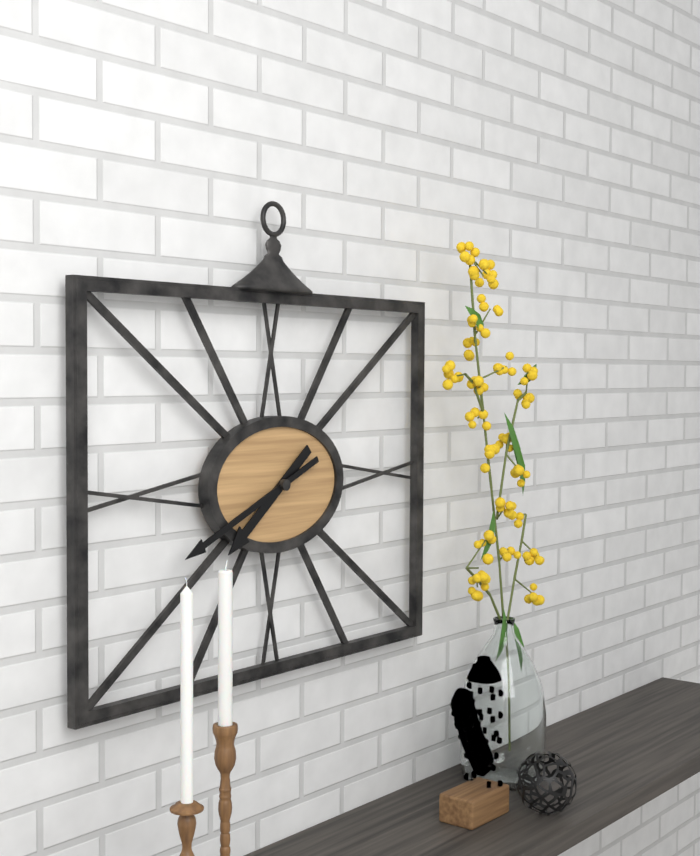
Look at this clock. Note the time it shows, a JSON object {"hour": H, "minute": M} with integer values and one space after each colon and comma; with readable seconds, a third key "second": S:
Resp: {"hour": 7, "minute": 41}
